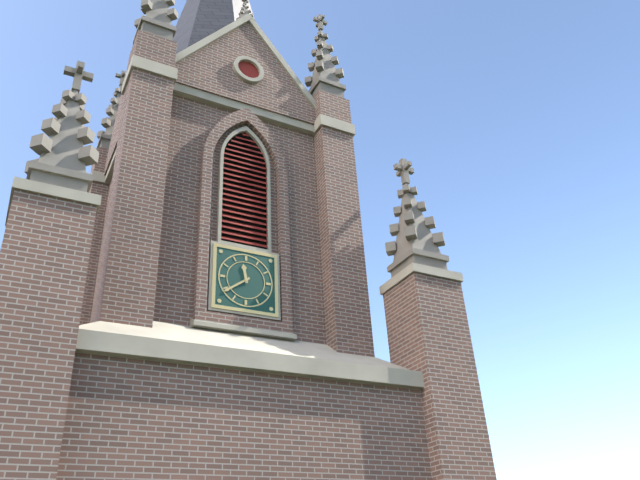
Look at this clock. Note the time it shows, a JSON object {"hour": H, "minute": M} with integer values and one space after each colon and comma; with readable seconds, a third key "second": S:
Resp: {"hour": 11, "minute": 39}
